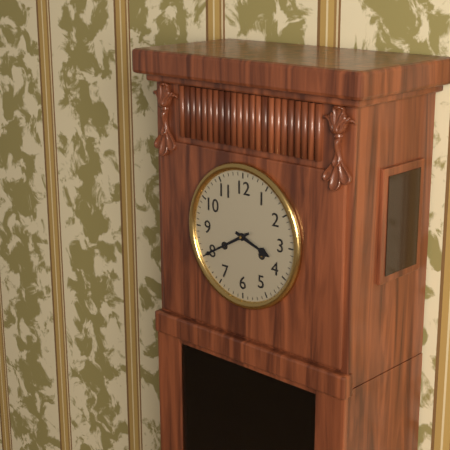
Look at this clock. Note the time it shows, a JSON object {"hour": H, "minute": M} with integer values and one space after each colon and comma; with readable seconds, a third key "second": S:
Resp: {"hour": 3, "minute": 40}
